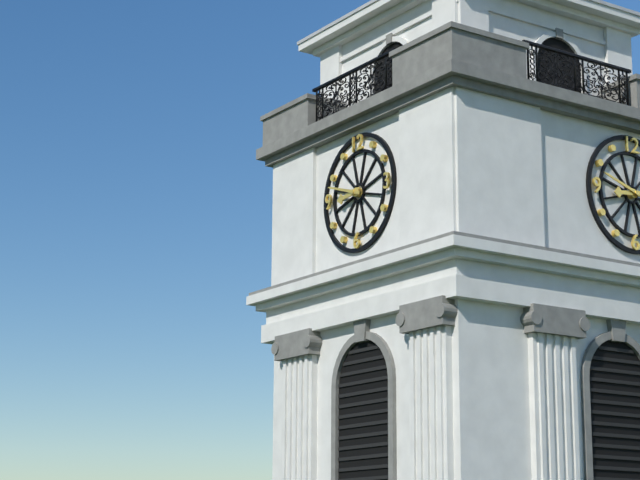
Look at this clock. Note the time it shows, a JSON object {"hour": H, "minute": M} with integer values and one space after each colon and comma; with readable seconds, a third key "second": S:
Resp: {"hour": 8, "minute": 48}
